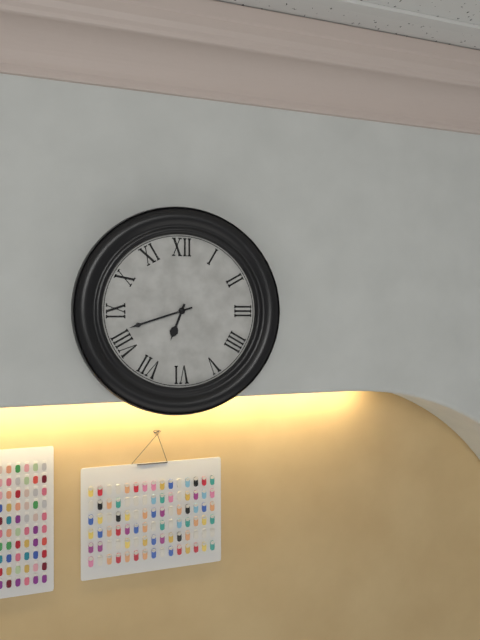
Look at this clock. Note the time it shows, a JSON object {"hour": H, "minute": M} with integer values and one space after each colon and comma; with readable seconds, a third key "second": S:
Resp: {"hour": 6, "minute": 42}
